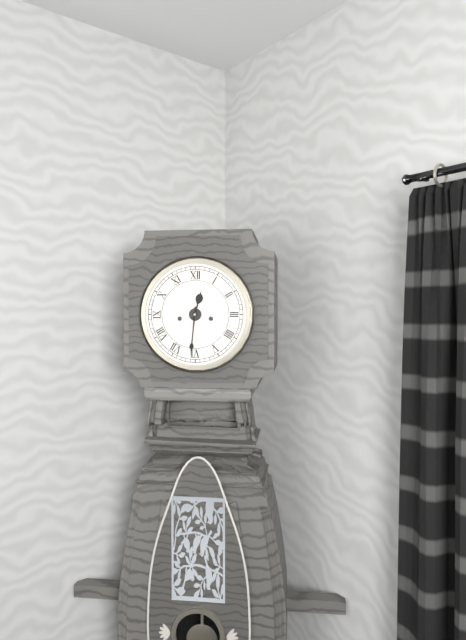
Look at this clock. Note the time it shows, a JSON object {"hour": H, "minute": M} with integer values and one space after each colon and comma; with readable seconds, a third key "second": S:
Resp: {"hour": 12, "minute": 31}
